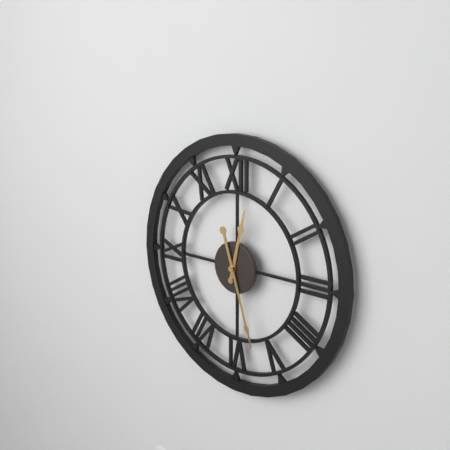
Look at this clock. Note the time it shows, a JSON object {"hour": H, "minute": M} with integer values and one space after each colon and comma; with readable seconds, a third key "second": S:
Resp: {"hour": 12, "minute": 27}
